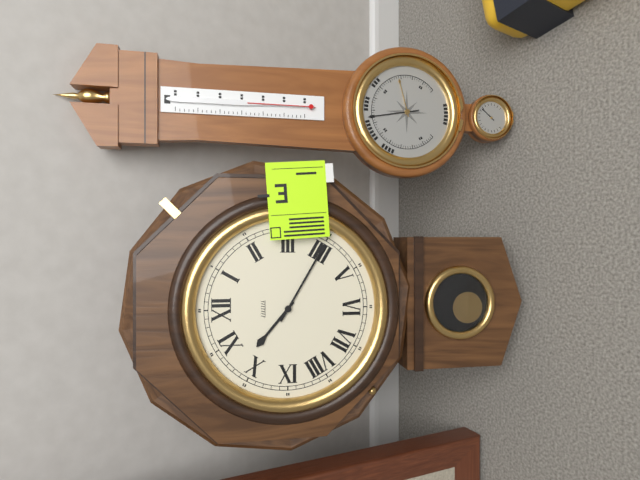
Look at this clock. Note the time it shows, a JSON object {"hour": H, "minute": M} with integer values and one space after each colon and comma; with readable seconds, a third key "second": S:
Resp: {"hour": 10, "minute": 20}
